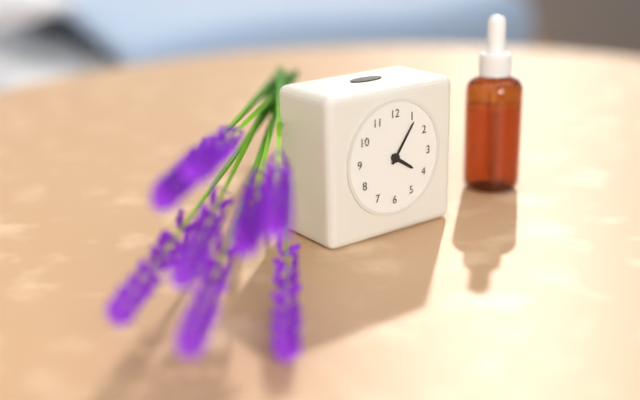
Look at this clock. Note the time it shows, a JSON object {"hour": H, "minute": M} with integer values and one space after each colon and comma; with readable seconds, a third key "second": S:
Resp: {"hour": 4, "minute": 6}
